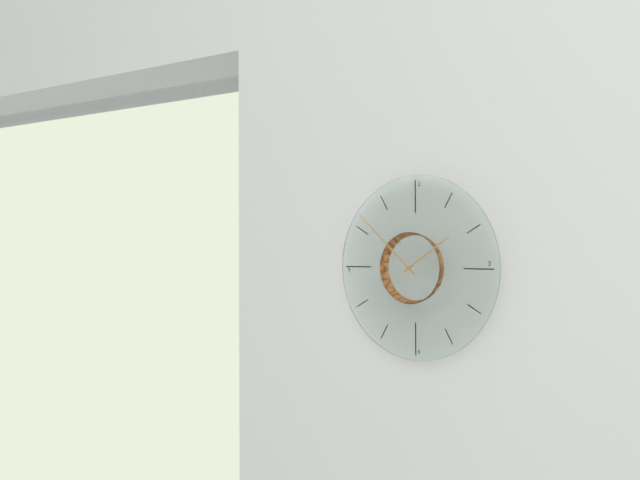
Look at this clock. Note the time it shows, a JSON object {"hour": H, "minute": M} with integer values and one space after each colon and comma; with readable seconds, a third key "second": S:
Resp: {"hour": 1, "minute": 52}
